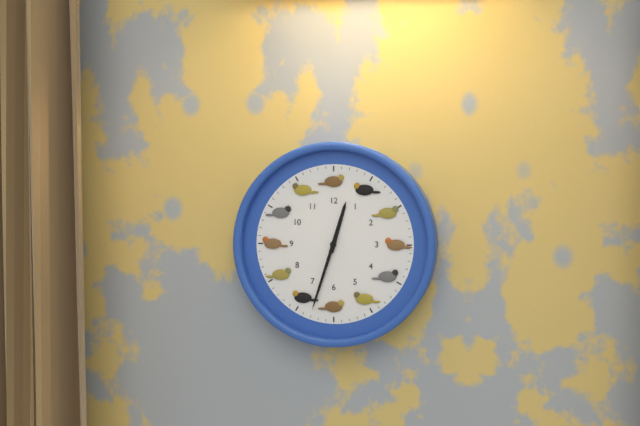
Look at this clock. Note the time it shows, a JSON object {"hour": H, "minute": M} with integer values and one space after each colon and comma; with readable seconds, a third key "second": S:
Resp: {"hour": 12, "minute": 33}
